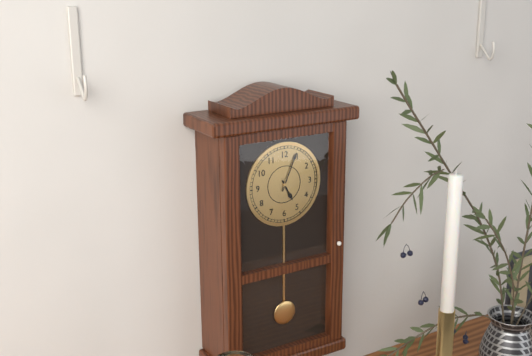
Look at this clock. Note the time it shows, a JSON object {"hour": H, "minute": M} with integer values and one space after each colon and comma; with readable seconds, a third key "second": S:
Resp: {"hour": 5, "minute": 4}
